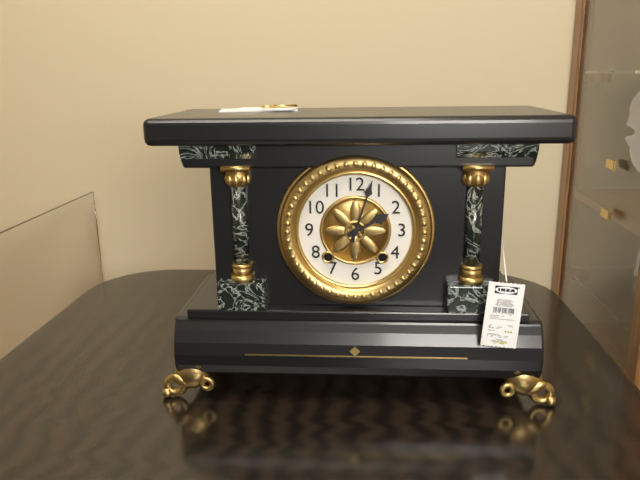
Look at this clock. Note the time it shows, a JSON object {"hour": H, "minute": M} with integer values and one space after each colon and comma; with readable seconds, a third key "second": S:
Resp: {"hour": 2, "minute": 3}
